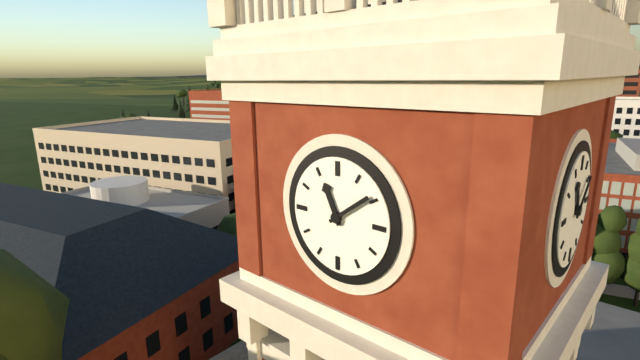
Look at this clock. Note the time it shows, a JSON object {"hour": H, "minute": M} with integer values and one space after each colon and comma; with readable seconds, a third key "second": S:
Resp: {"hour": 11, "minute": 9}
